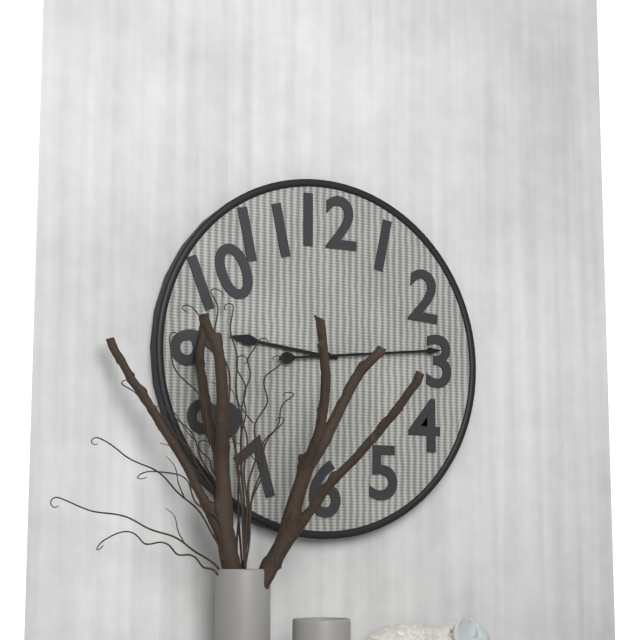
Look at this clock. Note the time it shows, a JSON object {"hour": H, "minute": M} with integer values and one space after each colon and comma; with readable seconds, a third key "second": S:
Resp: {"hour": 9, "minute": 14}
